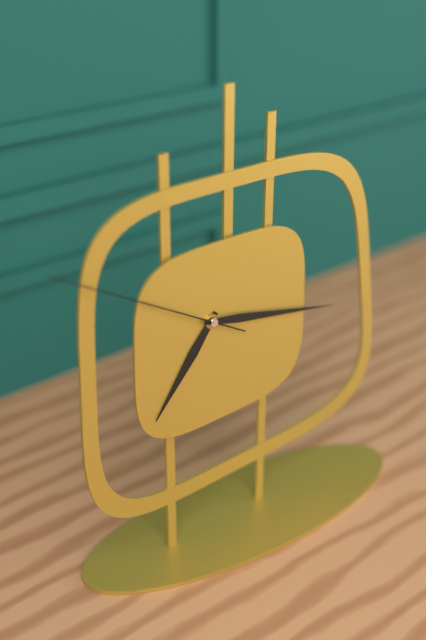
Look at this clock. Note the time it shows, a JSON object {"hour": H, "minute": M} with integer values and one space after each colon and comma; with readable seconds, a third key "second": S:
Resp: {"hour": 7, "minute": 17, "second": 50}
